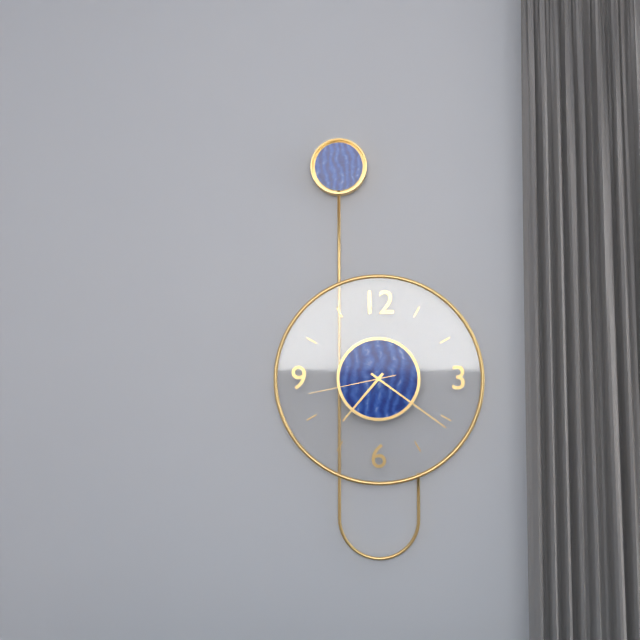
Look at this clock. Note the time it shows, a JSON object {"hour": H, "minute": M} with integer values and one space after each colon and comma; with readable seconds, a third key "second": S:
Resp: {"hour": 7, "minute": 21, "second": 43}
